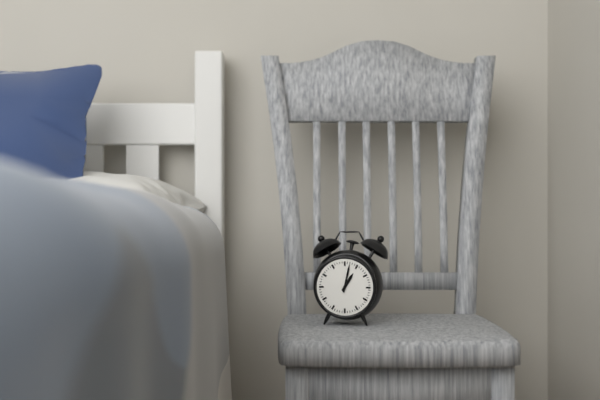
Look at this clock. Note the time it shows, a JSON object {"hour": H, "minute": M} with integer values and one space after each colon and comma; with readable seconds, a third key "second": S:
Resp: {"hour": 1, "minute": 2}
